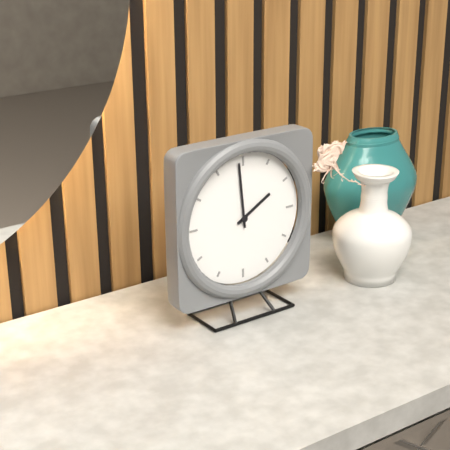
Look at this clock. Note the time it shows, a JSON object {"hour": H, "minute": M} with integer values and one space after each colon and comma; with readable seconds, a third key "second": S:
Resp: {"hour": 1, "minute": 59}
